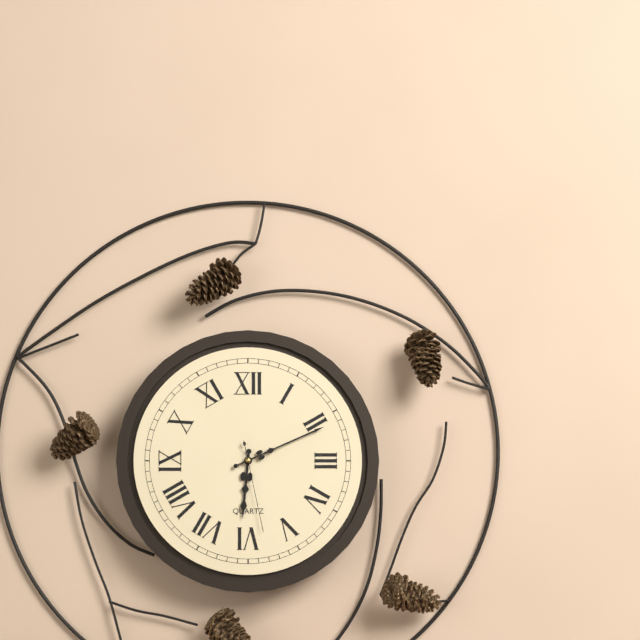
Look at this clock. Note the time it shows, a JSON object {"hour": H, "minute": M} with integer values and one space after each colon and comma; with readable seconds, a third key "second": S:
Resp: {"hour": 6, "minute": 11, "second": 28}
